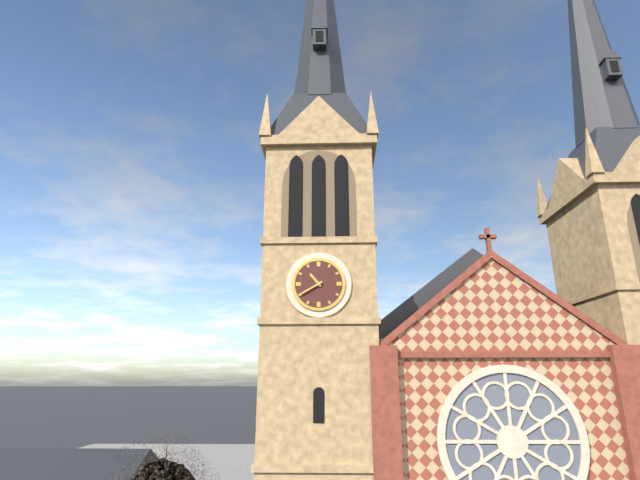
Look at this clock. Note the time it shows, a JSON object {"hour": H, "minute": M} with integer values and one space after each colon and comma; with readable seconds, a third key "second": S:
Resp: {"hour": 10, "minute": 40}
